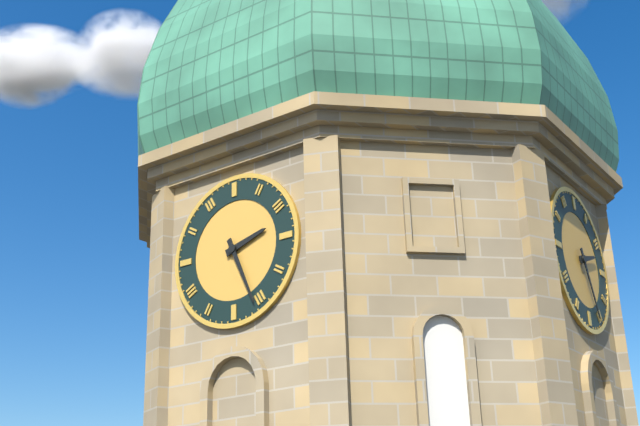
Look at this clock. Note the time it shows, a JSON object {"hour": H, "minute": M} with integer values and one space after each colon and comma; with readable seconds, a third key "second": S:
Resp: {"hour": 2, "minute": 26}
